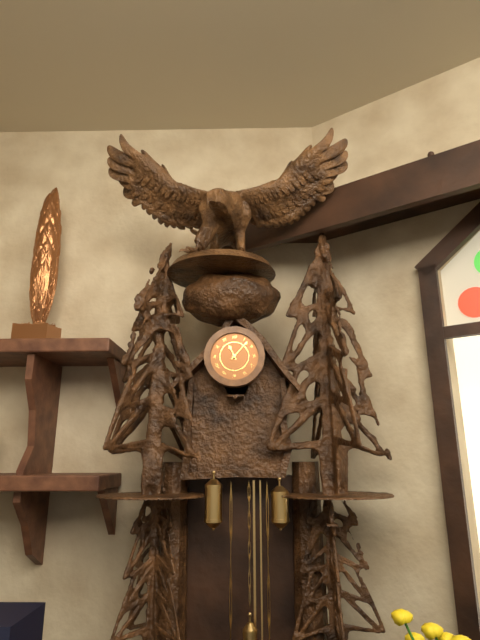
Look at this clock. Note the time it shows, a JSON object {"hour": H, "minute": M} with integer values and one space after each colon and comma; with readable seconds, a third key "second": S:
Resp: {"hour": 11, "minute": 7}
